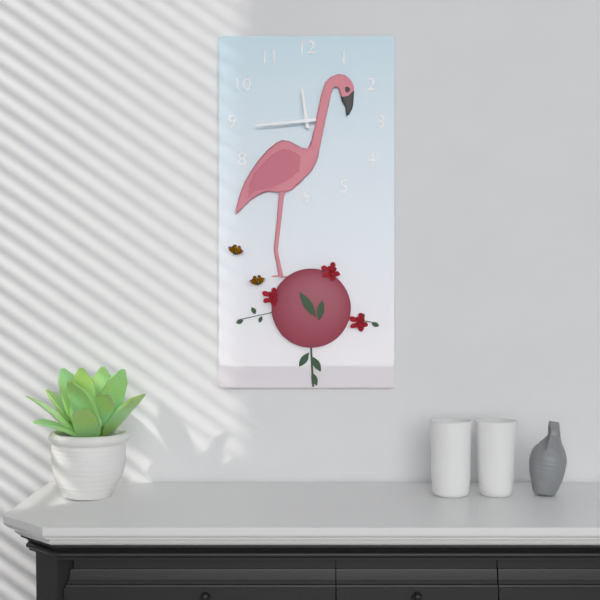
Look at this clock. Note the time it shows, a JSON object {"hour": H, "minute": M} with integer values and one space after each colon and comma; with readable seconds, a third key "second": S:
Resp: {"hour": 11, "minute": 44}
